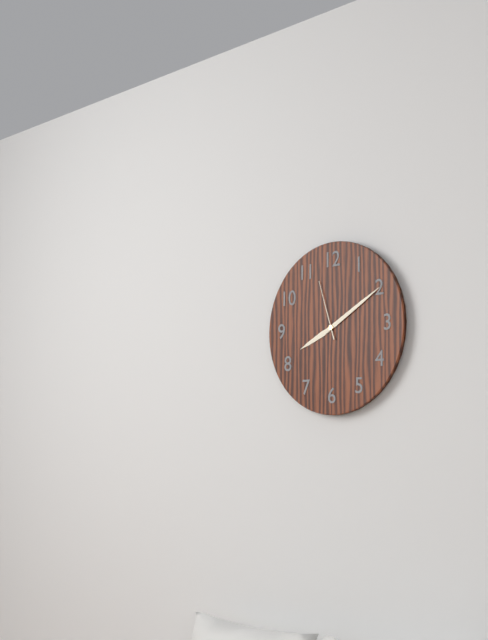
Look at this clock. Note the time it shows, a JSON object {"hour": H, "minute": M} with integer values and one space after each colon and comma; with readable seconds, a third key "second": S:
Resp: {"hour": 8, "minute": 10, "second": 57}
